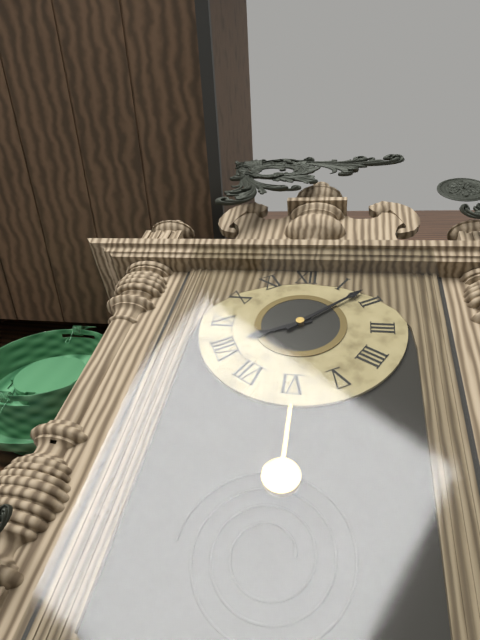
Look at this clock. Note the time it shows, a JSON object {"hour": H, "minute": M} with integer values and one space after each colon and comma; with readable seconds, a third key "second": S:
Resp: {"hour": 8, "minute": 8}
